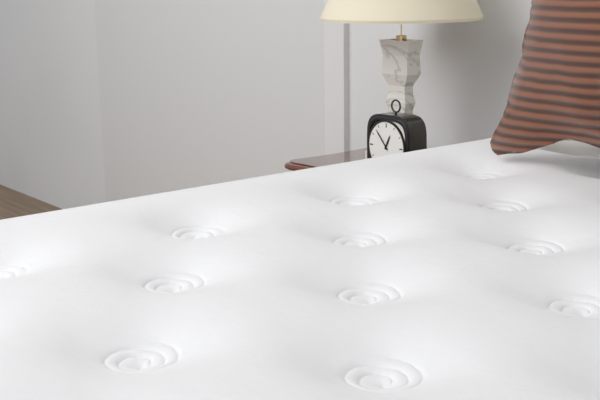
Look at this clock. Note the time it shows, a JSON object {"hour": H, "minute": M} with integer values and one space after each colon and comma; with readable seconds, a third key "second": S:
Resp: {"hour": 12, "minute": 53}
